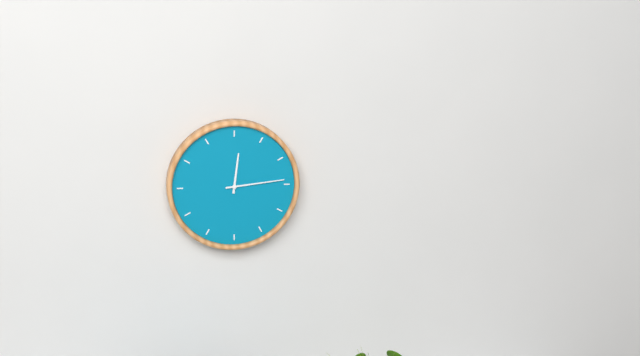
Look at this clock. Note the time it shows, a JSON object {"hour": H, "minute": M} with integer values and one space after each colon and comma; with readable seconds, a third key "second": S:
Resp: {"hour": 12, "minute": 14}
